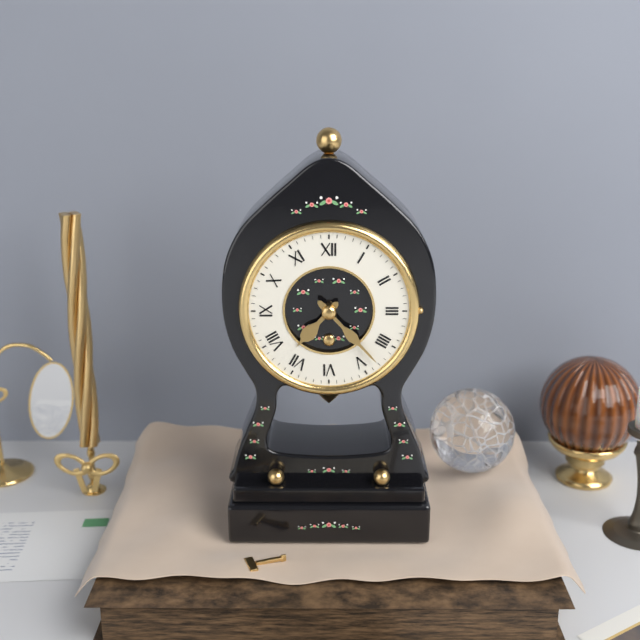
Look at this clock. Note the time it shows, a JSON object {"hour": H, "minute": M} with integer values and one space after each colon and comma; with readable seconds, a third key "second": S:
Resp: {"hour": 7, "minute": 23}
